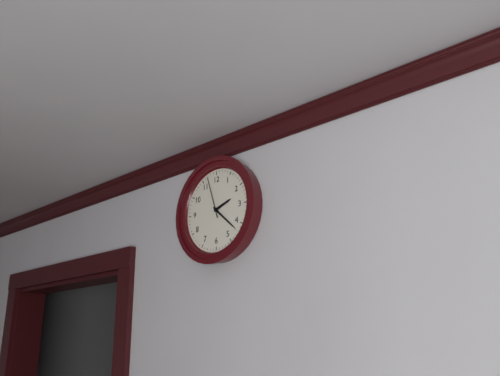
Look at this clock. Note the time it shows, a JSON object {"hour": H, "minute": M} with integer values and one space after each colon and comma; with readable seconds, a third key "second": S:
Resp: {"hour": 2, "minute": 22}
